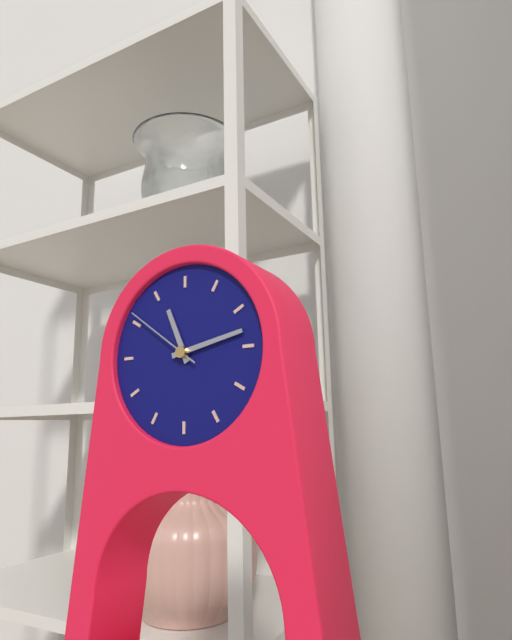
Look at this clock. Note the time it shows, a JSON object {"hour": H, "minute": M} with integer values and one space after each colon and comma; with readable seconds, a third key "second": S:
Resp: {"hour": 11, "minute": 13, "second": 51}
